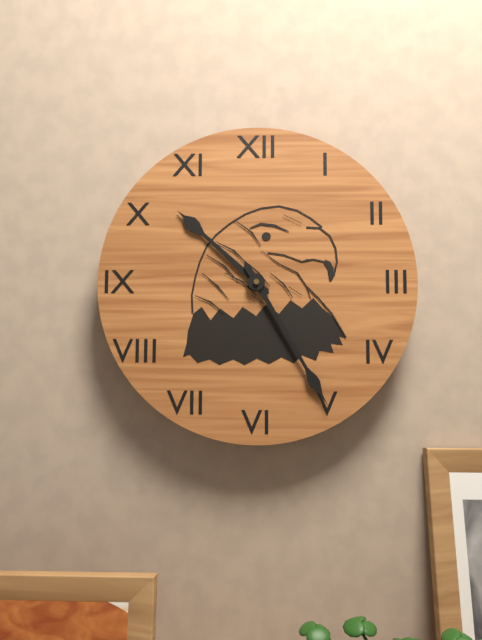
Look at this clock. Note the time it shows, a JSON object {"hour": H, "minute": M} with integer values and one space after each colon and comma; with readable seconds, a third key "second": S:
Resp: {"hour": 10, "minute": 25}
